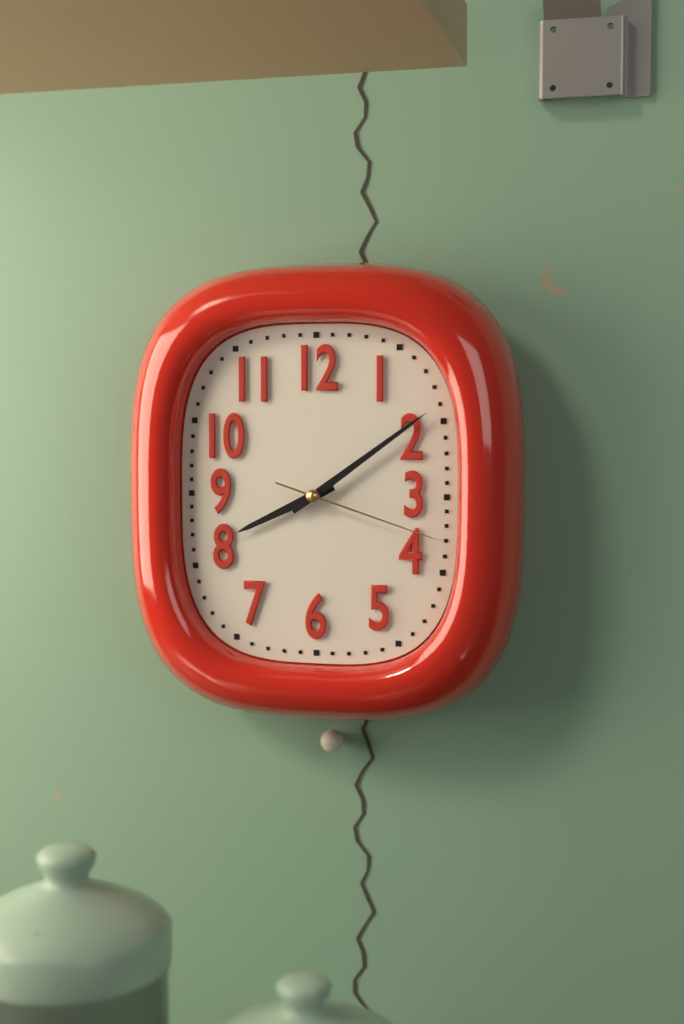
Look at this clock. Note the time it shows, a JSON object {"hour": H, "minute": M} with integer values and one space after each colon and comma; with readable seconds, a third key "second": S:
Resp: {"hour": 8, "minute": 9, "second": 18}
